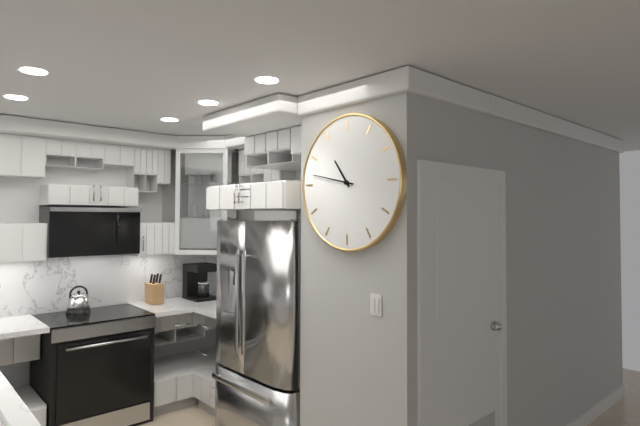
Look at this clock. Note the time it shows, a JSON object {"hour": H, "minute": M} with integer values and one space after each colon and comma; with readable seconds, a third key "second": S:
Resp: {"hour": 10, "minute": 47}
